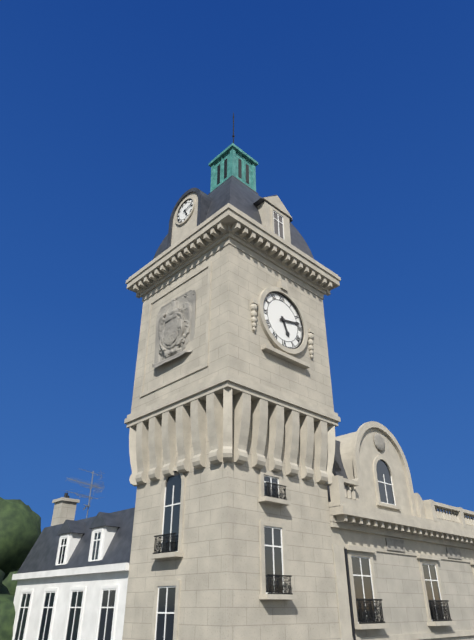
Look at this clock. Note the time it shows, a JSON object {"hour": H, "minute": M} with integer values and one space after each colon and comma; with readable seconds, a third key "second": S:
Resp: {"hour": 5, "minute": 13}
